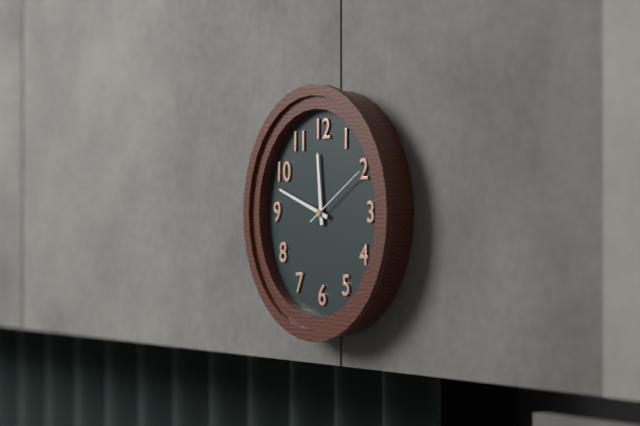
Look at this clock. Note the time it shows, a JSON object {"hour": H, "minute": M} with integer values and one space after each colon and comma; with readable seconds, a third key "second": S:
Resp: {"hour": 11, "minute": 48, "second": 10}
